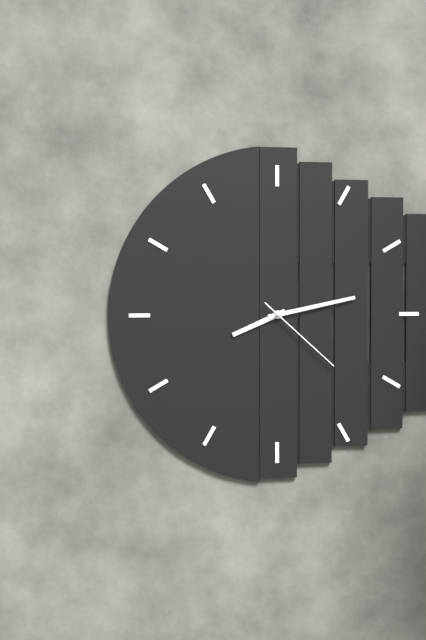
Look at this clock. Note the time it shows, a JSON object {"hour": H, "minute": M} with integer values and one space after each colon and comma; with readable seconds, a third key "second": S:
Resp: {"hour": 8, "minute": 13, "second": 22}
